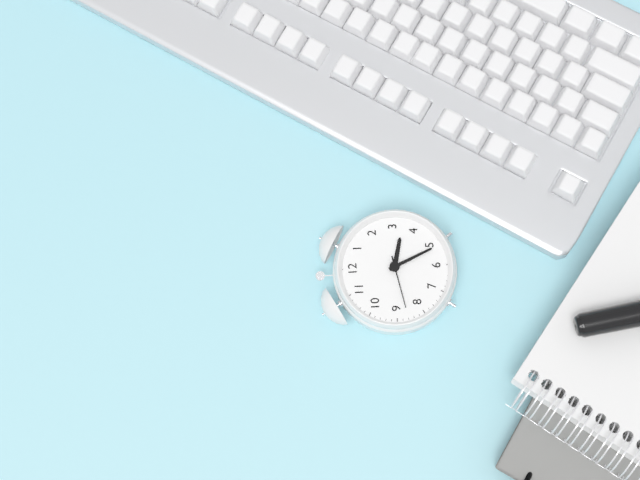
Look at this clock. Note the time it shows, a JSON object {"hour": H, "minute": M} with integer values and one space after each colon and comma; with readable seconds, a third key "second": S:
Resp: {"hour": 3, "minute": 26, "second": 43}
